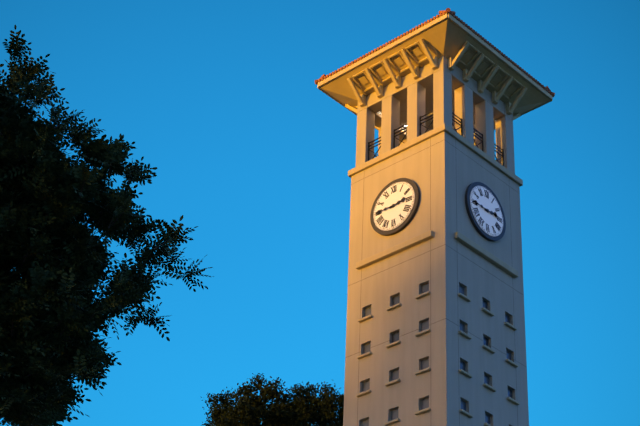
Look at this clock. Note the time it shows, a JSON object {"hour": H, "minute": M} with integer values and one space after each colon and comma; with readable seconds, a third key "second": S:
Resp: {"hour": 2, "minute": 45}
